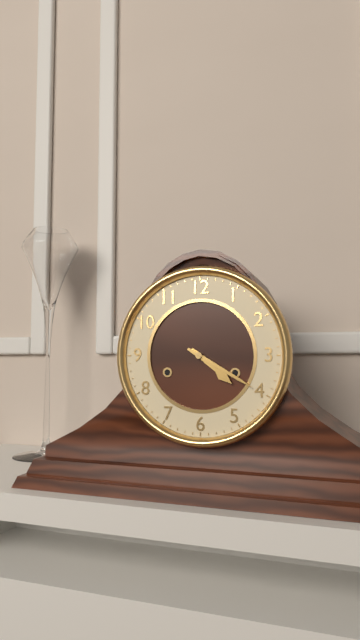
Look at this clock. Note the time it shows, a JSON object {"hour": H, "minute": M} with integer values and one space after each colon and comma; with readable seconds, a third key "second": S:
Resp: {"hour": 4, "minute": 20}
